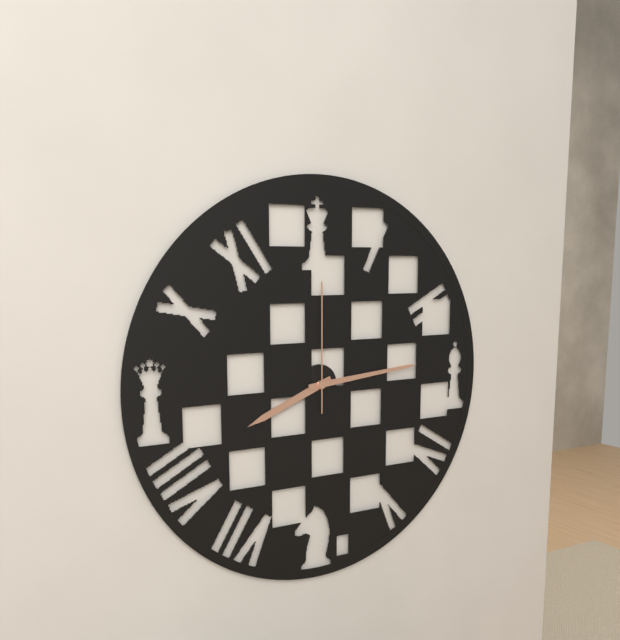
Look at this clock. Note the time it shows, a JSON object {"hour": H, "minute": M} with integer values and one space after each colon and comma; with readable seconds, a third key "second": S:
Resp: {"hour": 8, "minute": 14, "second": 0}
